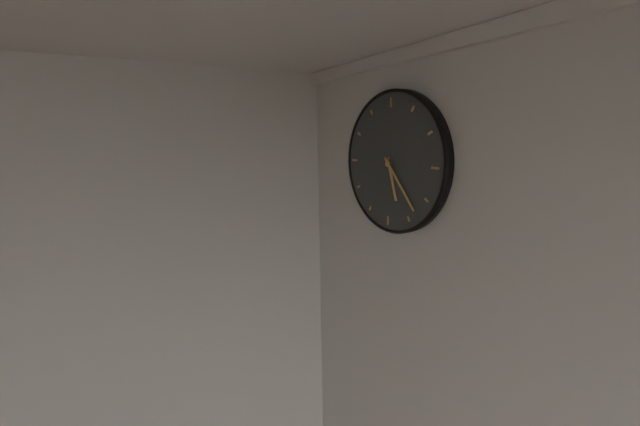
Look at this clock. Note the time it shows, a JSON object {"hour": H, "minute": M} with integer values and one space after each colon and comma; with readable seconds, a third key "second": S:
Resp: {"hour": 5, "minute": 23}
